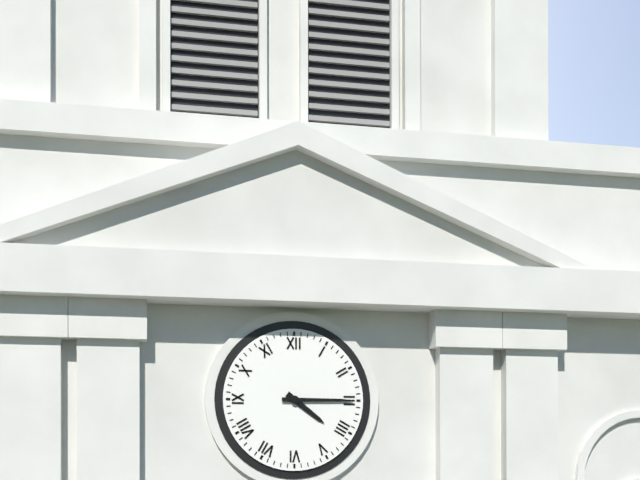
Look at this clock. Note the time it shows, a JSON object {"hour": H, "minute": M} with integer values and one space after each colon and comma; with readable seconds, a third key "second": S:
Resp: {"hour": 4, "minute": 15}
